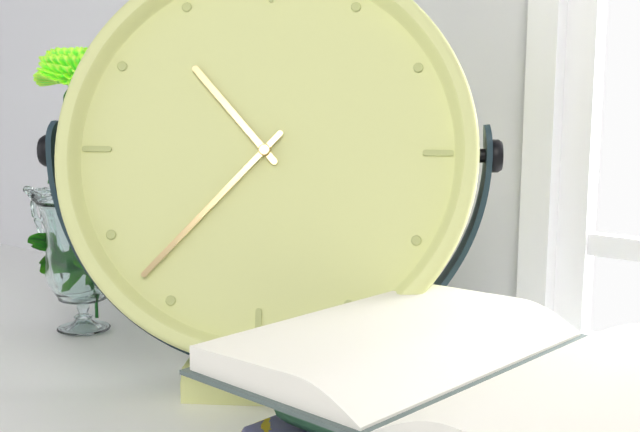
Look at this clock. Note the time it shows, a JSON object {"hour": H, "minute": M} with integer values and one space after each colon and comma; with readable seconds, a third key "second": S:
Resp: {"hour": 10, "minute": 37}
